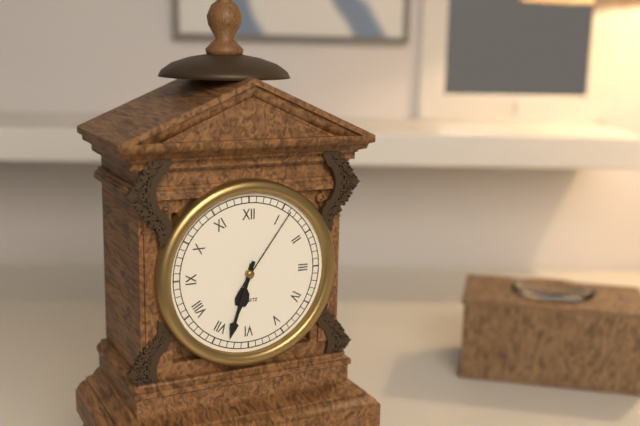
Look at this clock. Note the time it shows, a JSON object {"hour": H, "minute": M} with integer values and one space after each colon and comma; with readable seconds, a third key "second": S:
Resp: {"hour": 6, "minute": 33, "second": 6}
